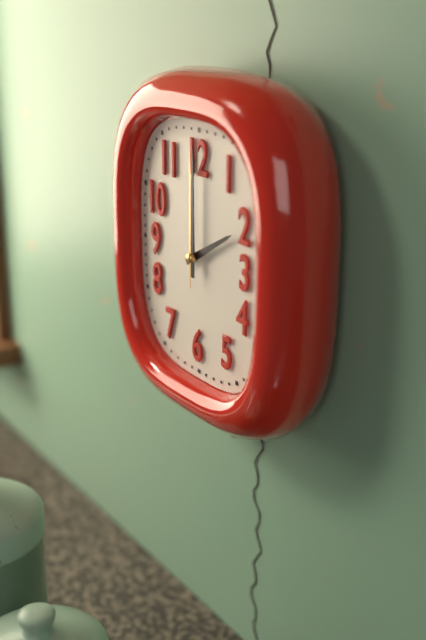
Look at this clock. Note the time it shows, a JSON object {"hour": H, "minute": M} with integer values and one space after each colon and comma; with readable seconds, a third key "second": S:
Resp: {"hour": 2, "minute": 0, "second": 0}
